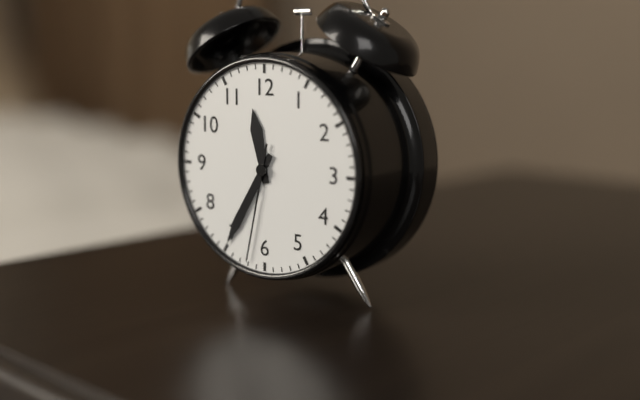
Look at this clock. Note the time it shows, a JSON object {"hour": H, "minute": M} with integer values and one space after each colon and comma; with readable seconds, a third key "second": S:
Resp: {"hour": 11, "minute": 35, "second": 32}
